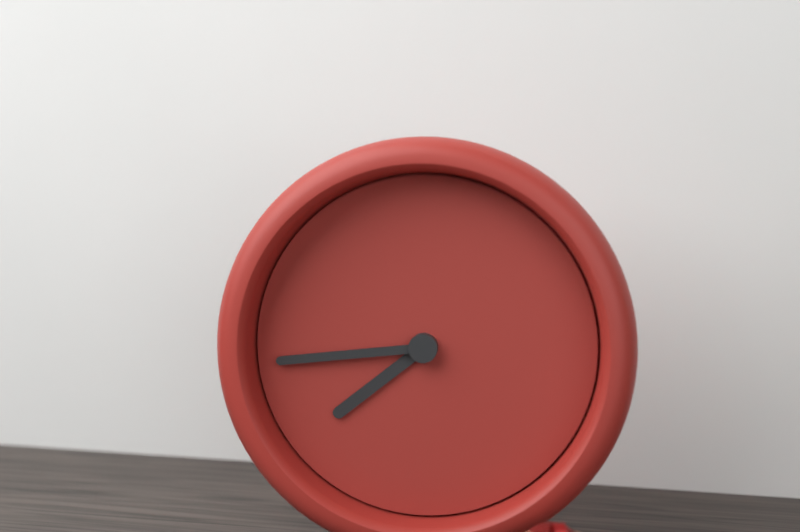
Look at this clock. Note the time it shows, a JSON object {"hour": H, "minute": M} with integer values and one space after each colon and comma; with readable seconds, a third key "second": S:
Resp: {"hour": 7, "minute": 44}
